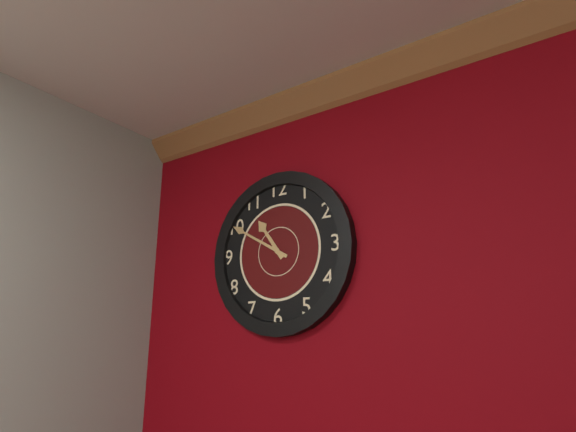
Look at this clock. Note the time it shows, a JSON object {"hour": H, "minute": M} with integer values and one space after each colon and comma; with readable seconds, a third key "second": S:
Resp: {"hour": 10, "minute": 50}
